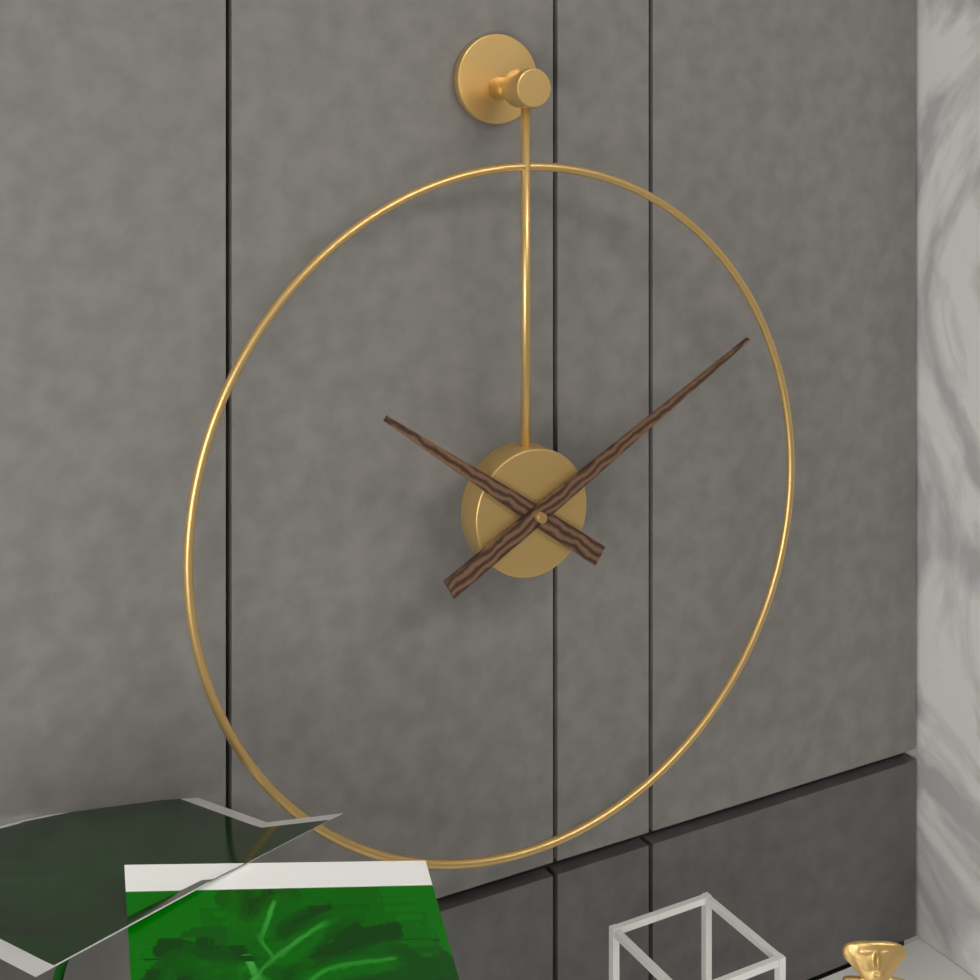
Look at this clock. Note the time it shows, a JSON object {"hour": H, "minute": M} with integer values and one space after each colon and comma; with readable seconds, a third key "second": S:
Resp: {"hour": 10, "minute": 10}
